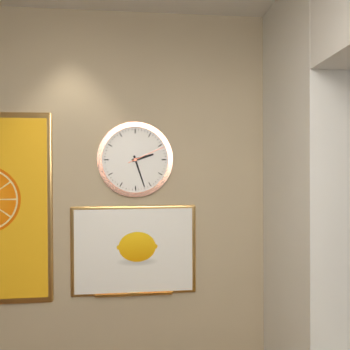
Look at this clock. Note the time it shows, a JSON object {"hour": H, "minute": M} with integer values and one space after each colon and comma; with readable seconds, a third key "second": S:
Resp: {"hour": 2, "minute": 27}
